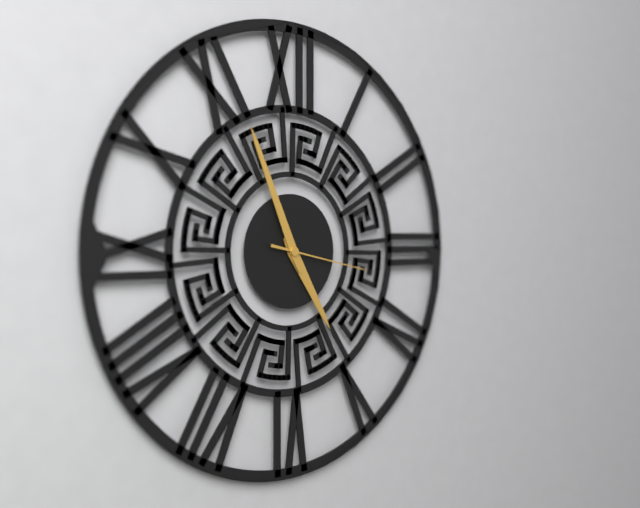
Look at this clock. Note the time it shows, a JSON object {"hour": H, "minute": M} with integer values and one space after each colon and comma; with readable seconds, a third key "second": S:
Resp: {"hour": 4, "minute": 56, "second": 17}
